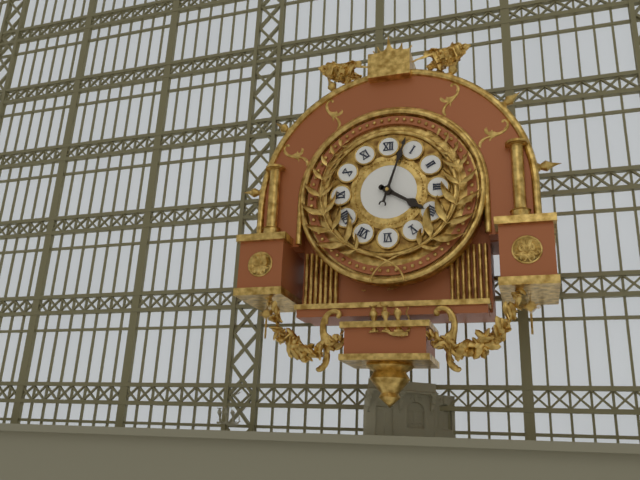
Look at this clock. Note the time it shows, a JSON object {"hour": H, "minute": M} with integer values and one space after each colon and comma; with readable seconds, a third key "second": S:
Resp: {"hour": 4, "minute": 3}
